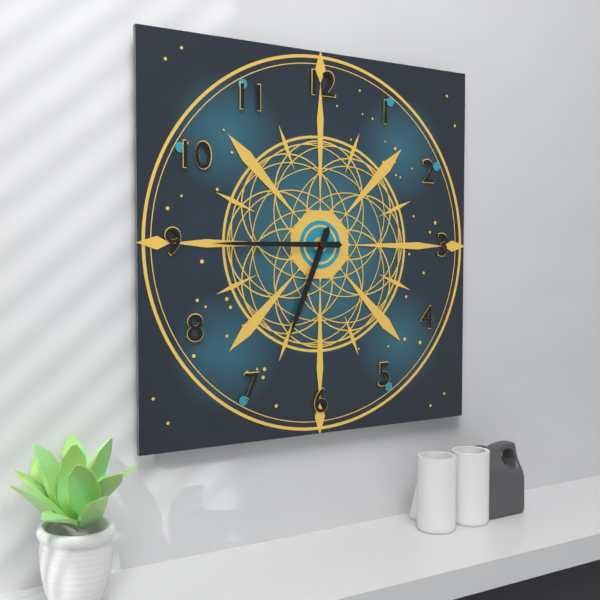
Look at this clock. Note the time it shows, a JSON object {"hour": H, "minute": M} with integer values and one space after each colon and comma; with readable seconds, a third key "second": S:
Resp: {"hour": 6, "minute": 45}
